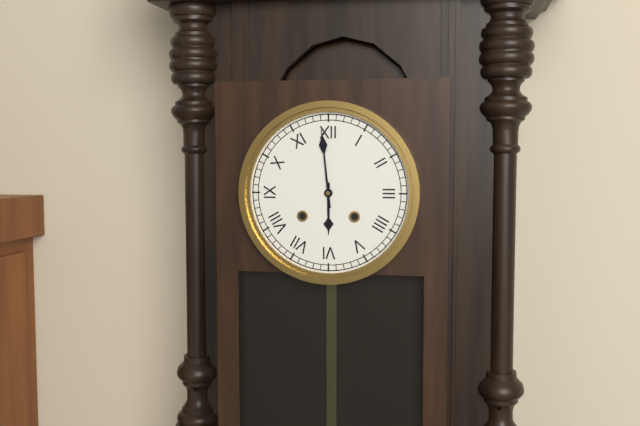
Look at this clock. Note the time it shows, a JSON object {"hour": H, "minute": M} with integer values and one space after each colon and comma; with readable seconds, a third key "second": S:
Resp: {"hour": 5, "minute": 59}
